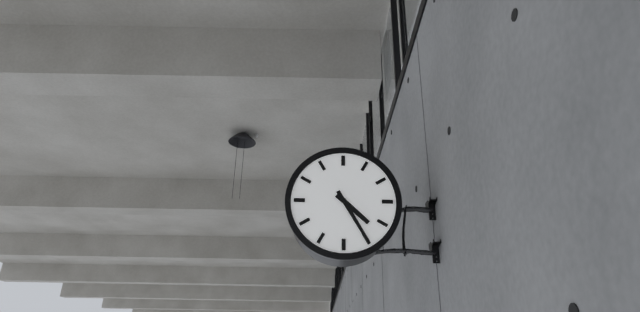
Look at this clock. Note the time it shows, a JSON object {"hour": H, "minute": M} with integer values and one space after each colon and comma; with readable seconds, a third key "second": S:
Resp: {"hour": 4, "minute": 25}
